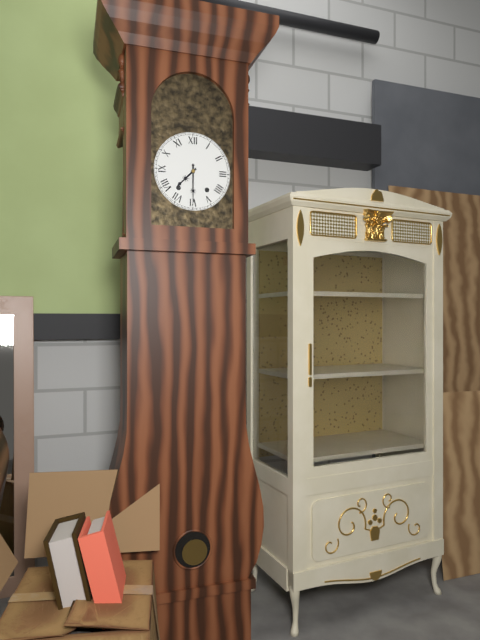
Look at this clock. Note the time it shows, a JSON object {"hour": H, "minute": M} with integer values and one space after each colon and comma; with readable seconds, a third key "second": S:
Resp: {"hour": 7, "minute": 30}
